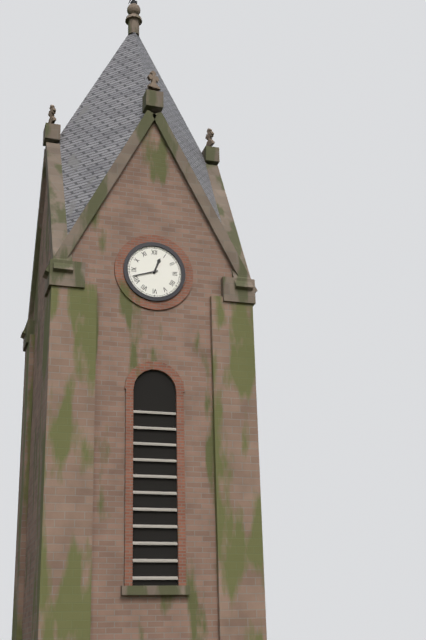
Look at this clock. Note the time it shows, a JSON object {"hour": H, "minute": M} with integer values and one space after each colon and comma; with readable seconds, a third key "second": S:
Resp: {"hour": 12, "minute": 42}
